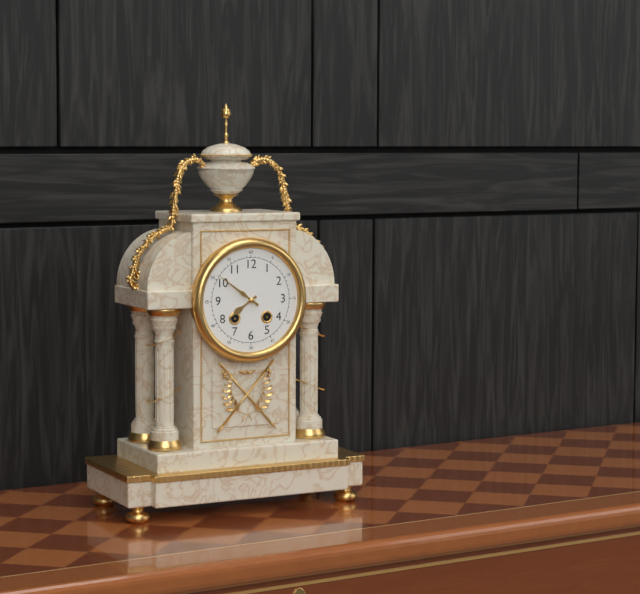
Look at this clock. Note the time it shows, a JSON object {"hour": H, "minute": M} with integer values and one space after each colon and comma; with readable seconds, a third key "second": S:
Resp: {"hour": 7, "minute": 51}
